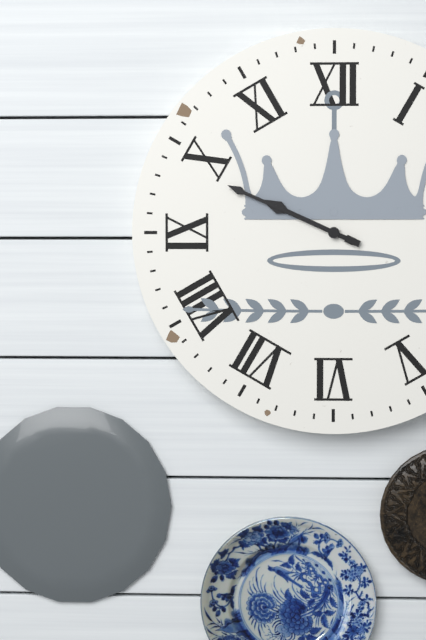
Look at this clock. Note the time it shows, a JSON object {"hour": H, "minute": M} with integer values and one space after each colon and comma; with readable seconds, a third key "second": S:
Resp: {"hour": 9, "minute": 49}
